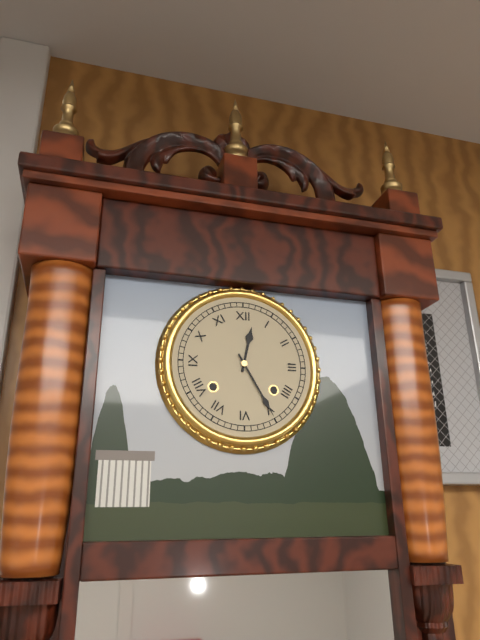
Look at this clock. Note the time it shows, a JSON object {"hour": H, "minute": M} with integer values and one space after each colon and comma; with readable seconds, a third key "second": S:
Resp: {"hour": 12, "minute": 25}
